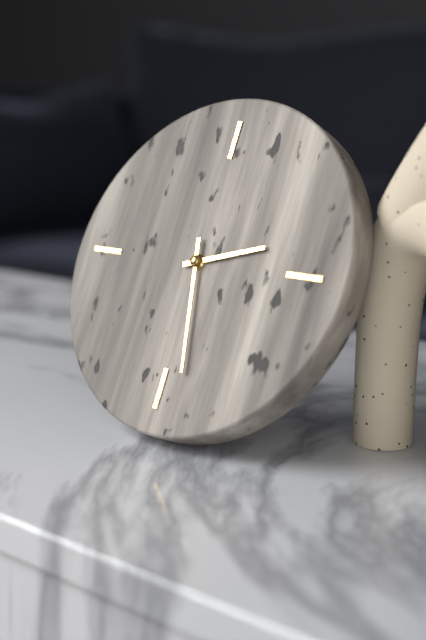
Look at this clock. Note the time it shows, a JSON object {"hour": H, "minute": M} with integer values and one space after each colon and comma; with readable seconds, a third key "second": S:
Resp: {"hour": 2, "minute": 28}
